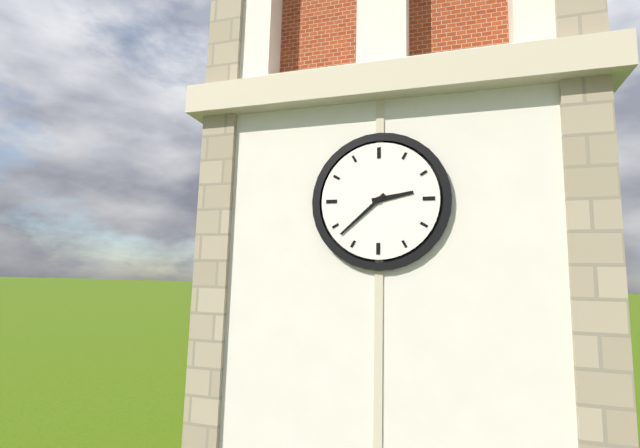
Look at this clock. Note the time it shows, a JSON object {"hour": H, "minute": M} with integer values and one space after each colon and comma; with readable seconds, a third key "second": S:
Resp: {"hour": 2, "minute": 38}
